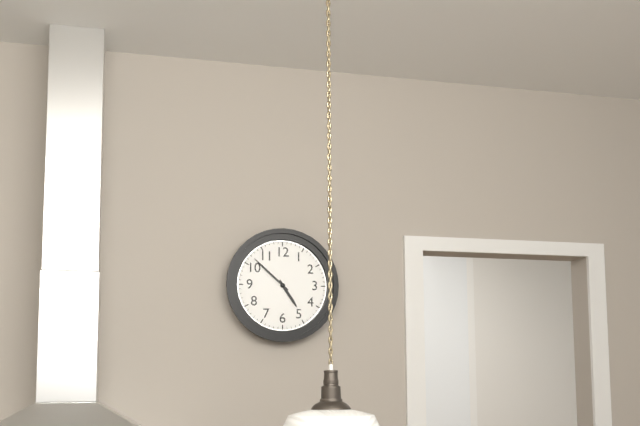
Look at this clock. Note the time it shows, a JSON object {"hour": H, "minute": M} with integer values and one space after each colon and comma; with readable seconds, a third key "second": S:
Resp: {"hour": 4, "minute": 52}
